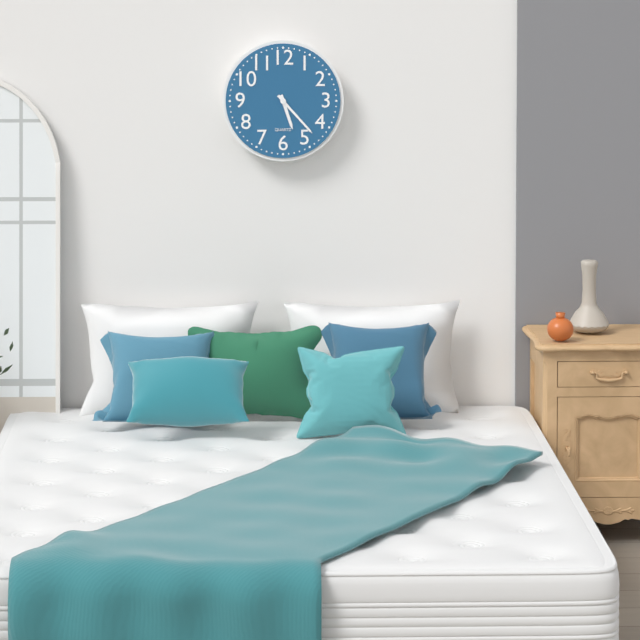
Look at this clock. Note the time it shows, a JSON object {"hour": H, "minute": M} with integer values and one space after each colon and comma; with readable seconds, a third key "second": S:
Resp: {"hour": 5, "minute": 23}
